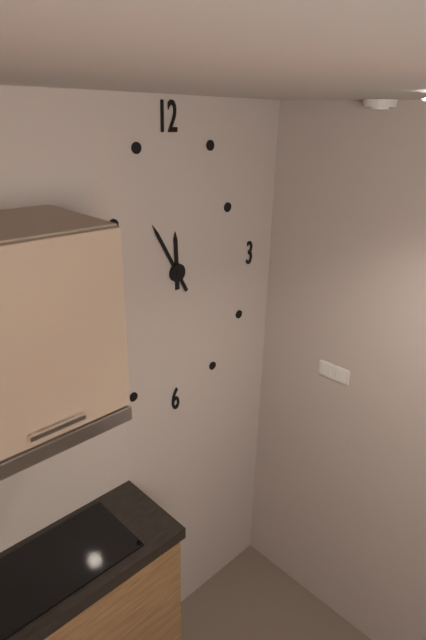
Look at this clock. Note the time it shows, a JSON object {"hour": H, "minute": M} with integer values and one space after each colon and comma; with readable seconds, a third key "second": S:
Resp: {"hour": 11, "minute": 55}
